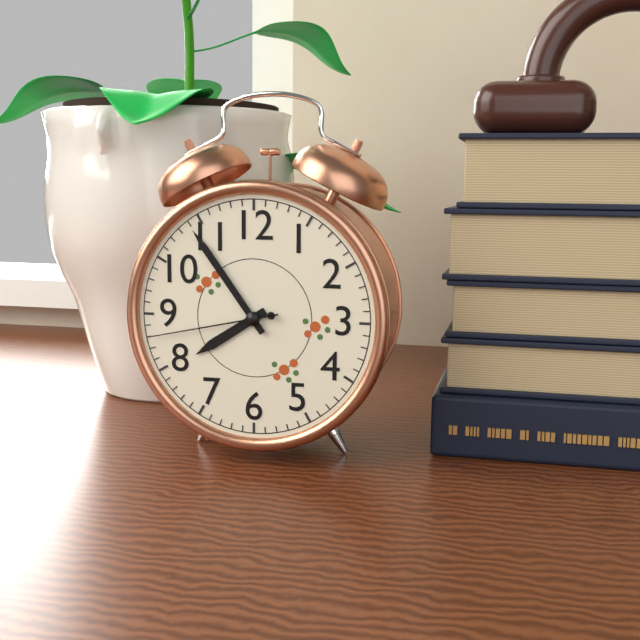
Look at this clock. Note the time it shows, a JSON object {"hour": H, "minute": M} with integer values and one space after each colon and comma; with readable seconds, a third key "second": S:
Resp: {"hour": 7, "minute": 54, "second": 43}
